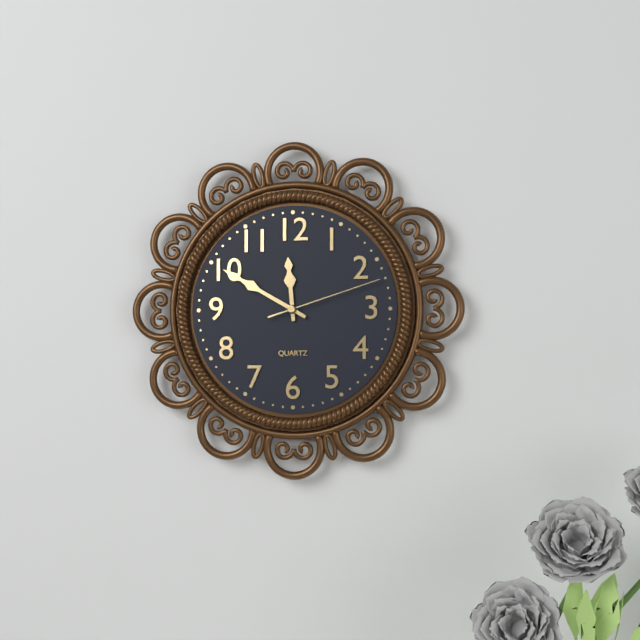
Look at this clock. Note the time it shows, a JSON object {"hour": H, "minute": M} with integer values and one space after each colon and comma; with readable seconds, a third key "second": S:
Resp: {"hour": 11, "minute": 50, "second": 12}
